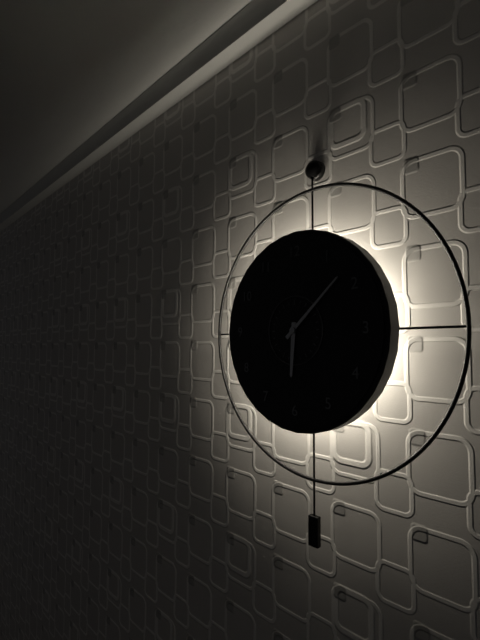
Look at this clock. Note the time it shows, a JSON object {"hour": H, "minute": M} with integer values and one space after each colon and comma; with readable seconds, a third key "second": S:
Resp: {"hour": 6, "minute": 8}
